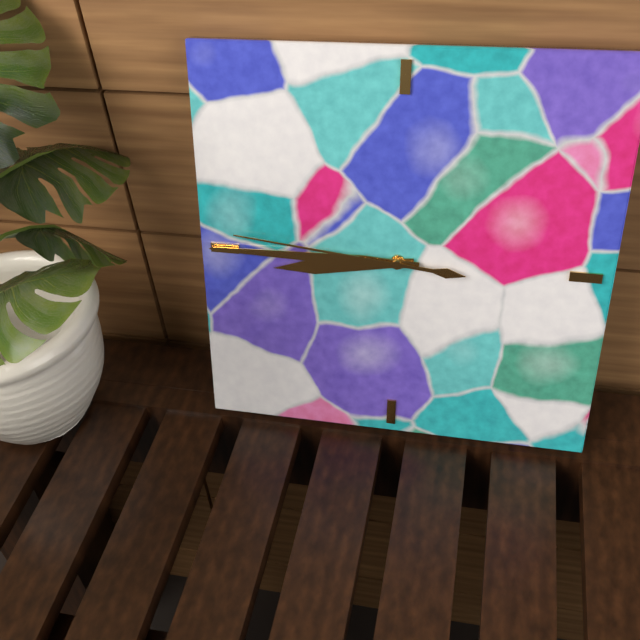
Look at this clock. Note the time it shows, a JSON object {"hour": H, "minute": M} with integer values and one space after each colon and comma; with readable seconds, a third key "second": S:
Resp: {"hour": 8, "minute": 45, "second": 46}
